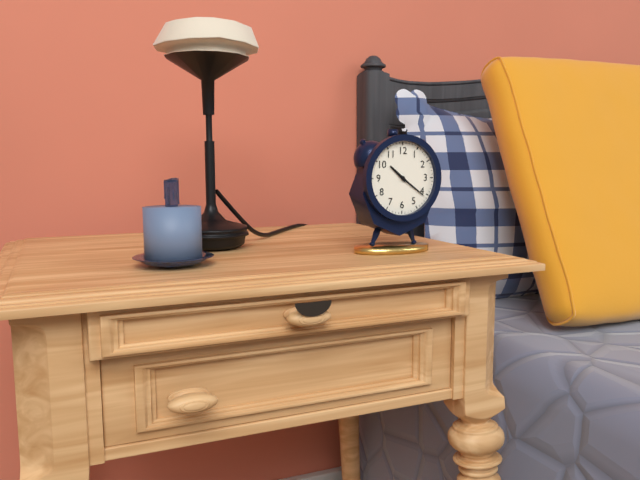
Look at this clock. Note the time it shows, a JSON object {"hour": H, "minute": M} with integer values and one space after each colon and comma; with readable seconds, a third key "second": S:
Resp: {"hour": 10, "minute": 21}
